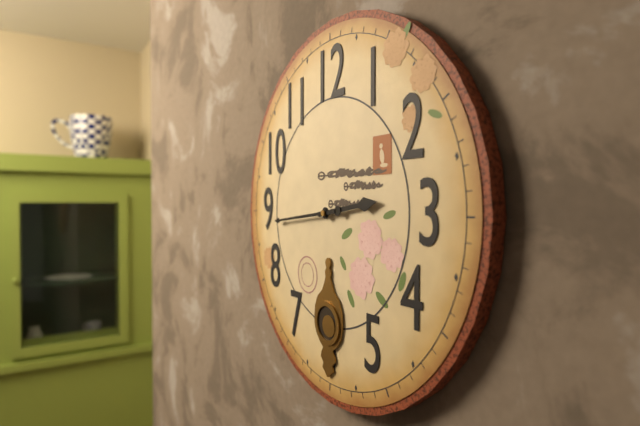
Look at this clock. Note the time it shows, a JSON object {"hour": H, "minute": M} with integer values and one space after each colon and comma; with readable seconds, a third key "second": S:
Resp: {"hour": 2, "minute": 44}
